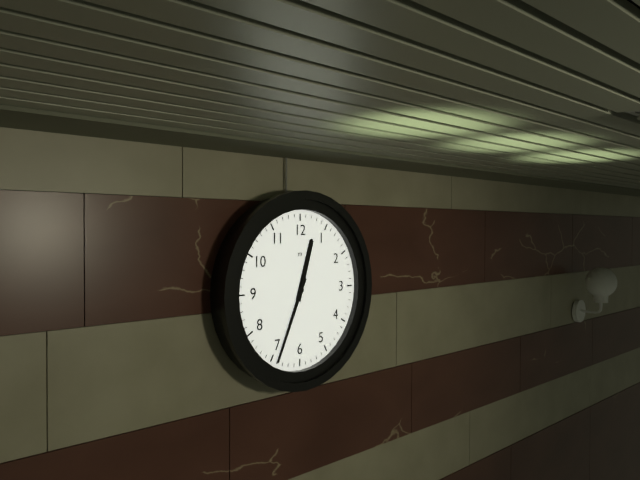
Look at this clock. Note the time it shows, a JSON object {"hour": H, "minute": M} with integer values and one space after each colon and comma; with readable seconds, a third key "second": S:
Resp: {"hour": 12, "minute": 34}
